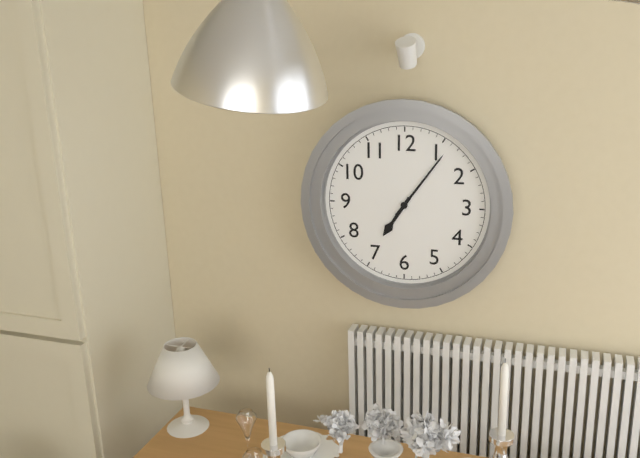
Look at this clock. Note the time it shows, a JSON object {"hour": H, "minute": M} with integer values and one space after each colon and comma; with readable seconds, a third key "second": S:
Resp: {"hour": 7, "minute": 6}
